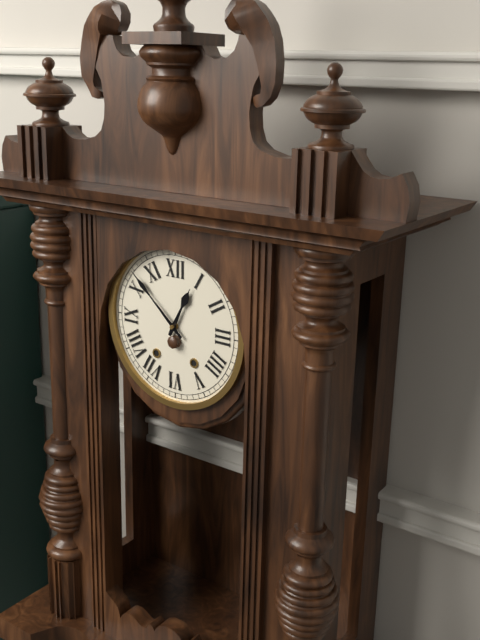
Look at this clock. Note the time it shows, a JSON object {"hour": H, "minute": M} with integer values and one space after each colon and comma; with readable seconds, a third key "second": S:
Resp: {"hour": 12, "minute": 52}
